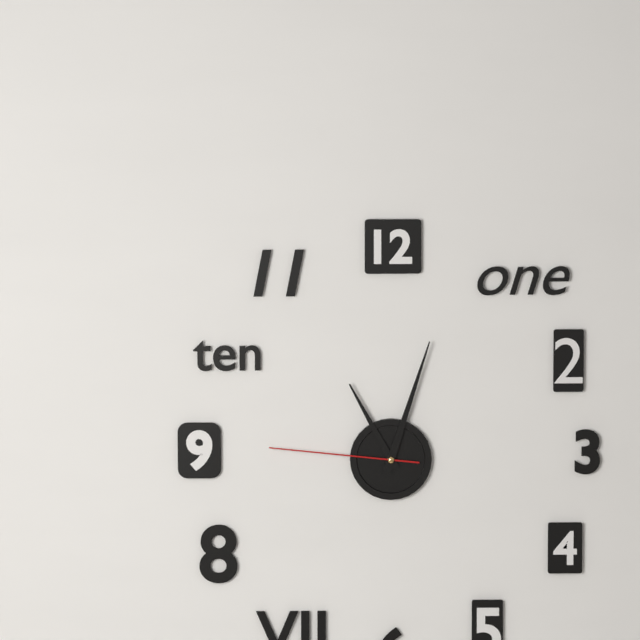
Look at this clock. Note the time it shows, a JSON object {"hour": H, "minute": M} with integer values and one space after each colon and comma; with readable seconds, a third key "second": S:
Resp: {"hour": 11, "minute": 3, "second": 46}
